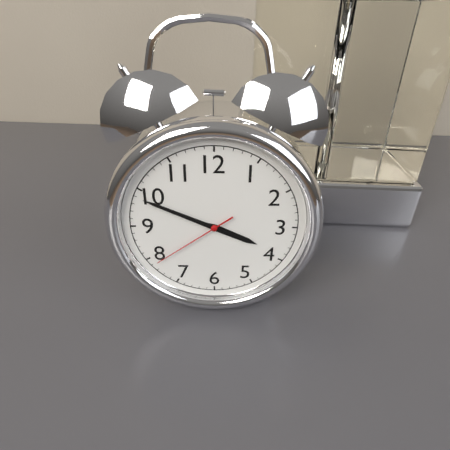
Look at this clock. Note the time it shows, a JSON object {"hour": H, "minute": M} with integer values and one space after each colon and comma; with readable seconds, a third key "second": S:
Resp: {"hour": 3, "minute": 49, "second": 39}
